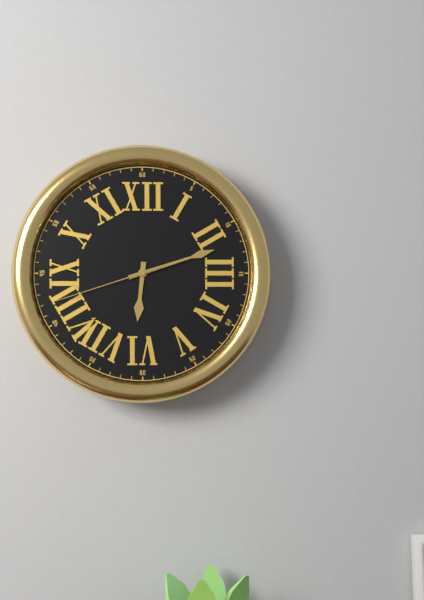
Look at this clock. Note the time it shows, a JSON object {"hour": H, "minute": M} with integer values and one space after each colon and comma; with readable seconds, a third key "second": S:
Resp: {"hour": 6, "minute": 12, "second": 42}
